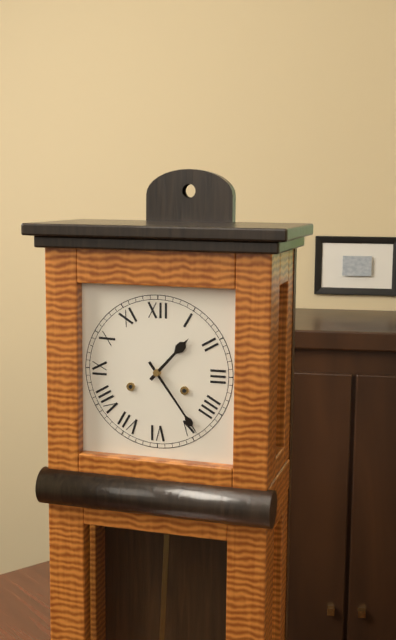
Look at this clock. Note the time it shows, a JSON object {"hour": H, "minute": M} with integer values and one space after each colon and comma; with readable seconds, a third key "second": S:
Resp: {"hour": 1, "minute": 24}
